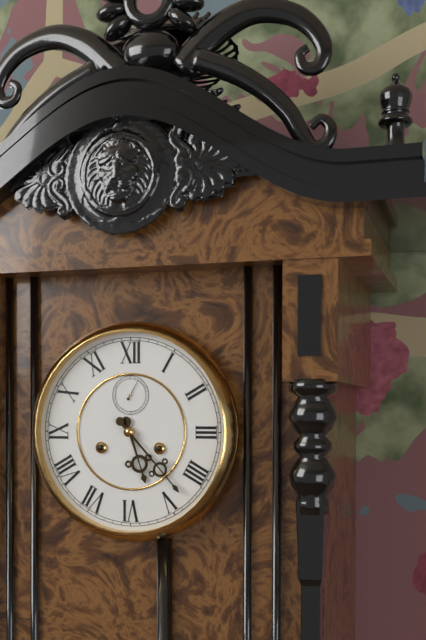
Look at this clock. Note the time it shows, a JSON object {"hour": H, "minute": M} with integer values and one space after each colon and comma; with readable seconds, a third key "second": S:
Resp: {"hour": 5, "minute": 23}
